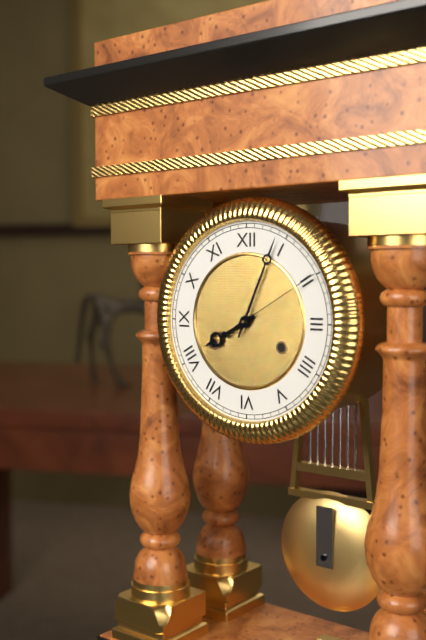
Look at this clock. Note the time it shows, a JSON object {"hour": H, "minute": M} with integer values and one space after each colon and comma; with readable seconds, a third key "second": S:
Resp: {"hour": 8, "minute": 4, "second": 10}
